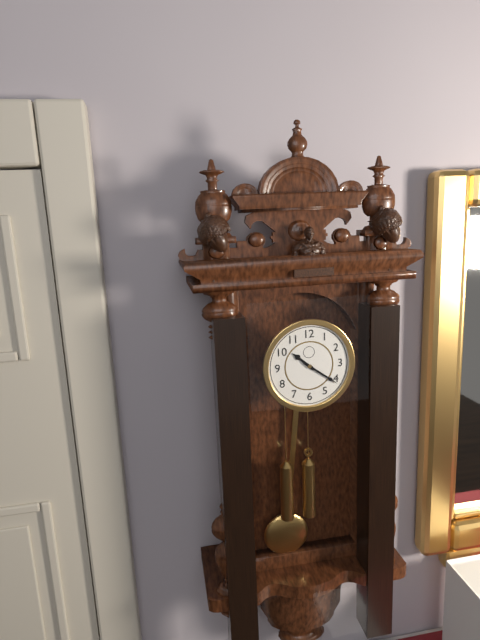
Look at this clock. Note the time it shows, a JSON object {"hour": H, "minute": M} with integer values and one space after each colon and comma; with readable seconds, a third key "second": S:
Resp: {"hour": 10, "minute": 21}
